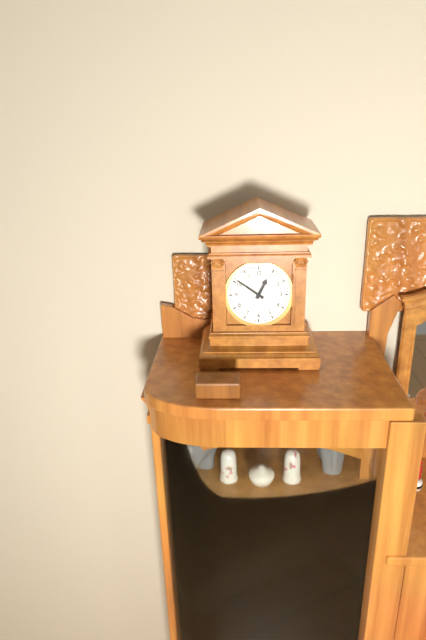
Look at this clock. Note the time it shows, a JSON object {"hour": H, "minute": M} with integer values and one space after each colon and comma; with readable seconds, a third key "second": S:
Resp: {"hour": 12, "minute": 51}
